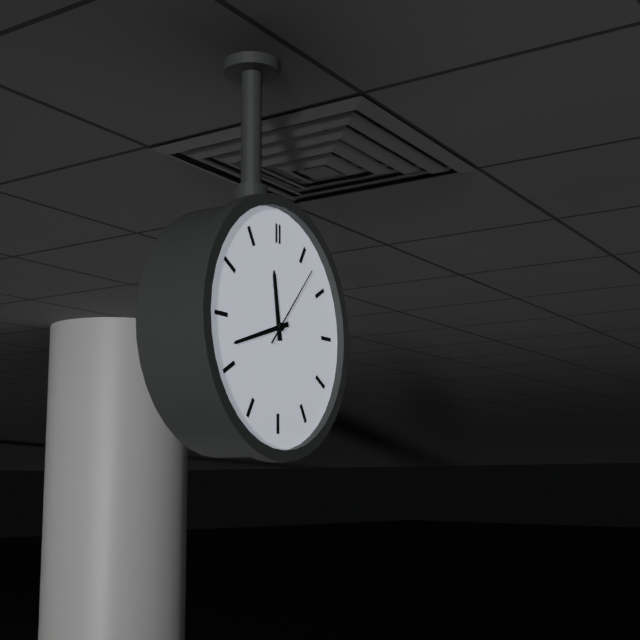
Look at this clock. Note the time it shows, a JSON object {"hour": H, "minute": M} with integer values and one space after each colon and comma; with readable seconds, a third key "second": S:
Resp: {"hour": 11, "minute": 42, "second": 7}
